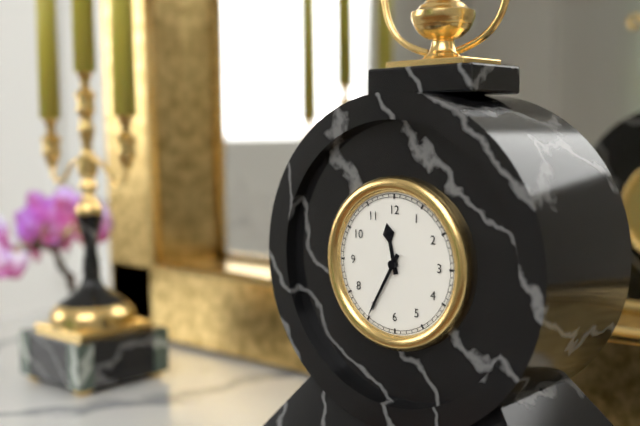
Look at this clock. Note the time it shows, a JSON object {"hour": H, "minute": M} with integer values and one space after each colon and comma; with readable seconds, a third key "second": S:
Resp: {"hour": 11, "minute": 35}
